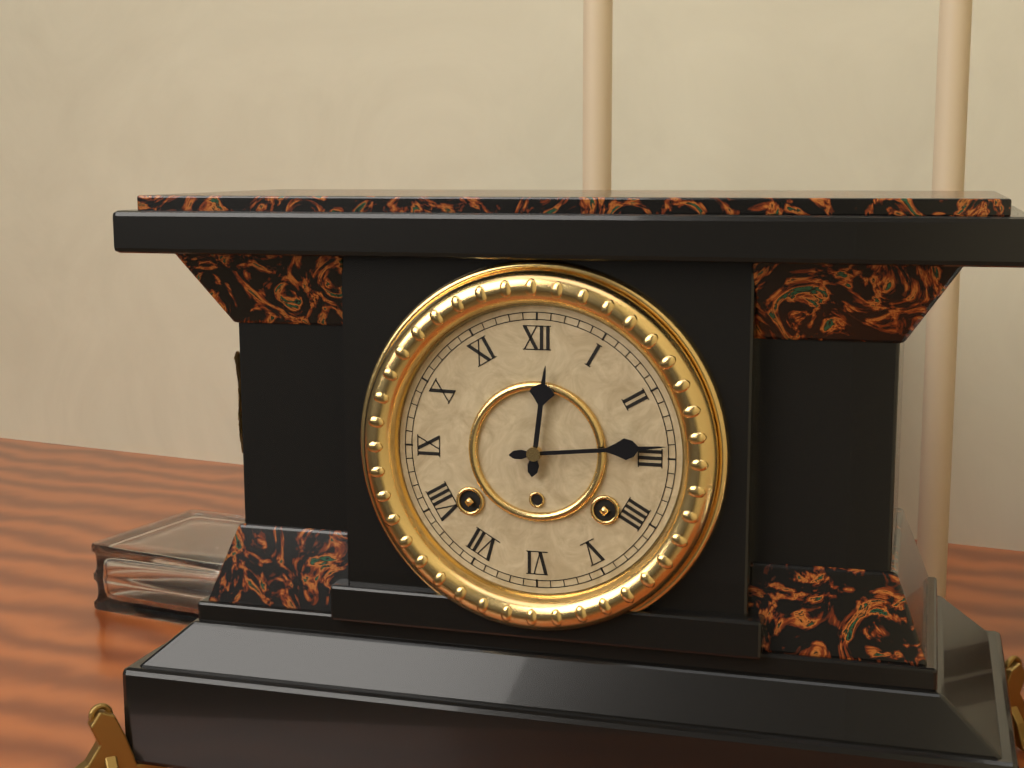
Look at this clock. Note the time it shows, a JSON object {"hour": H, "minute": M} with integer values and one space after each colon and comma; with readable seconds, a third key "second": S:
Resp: {"hour": 12, "minute": 14}
